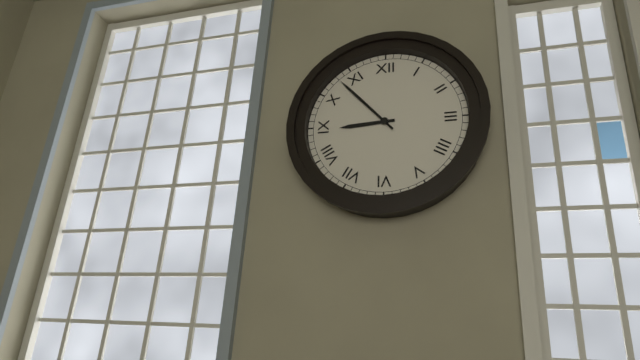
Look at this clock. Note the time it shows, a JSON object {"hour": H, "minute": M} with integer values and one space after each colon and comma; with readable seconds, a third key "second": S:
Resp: {"hour": 8, "minute": 53}
